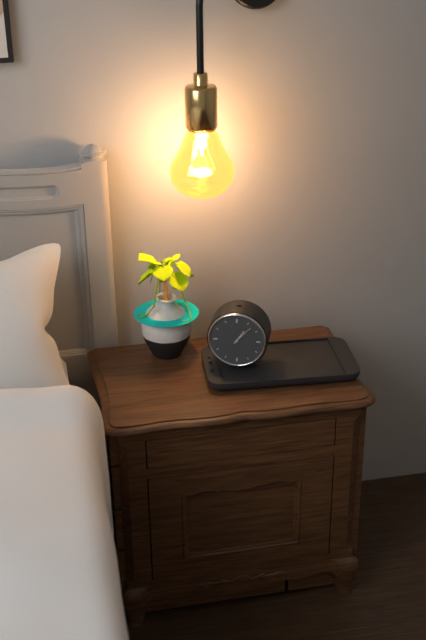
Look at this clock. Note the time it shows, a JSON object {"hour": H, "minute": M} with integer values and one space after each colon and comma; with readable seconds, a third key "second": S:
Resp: {"hour": 1, "minute": 7}
